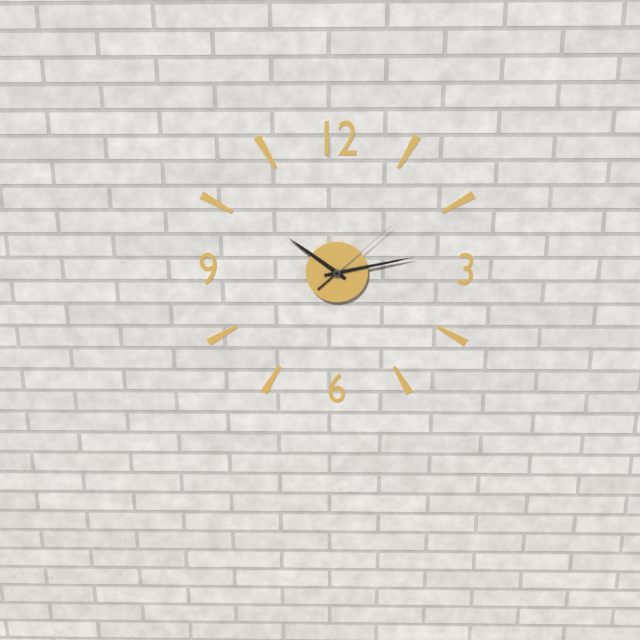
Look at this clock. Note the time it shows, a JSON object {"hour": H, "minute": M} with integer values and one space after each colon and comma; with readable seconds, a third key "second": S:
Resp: {"hour": 10, "minute": 13, "second": 8}
